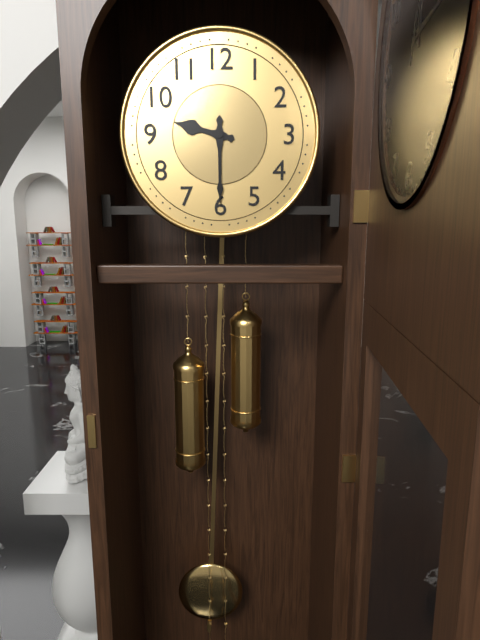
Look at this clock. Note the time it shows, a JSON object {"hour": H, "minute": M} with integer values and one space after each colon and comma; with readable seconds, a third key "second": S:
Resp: {"hour": 9, "minute": 30}
